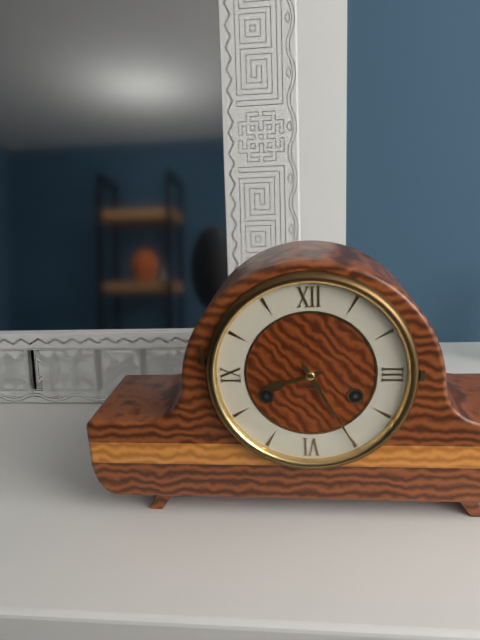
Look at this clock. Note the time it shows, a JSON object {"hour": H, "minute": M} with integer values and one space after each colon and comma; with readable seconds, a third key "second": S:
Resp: {"hour": 8, "minute": 25}
